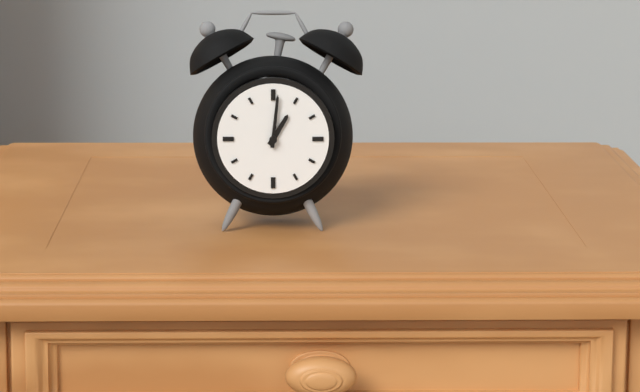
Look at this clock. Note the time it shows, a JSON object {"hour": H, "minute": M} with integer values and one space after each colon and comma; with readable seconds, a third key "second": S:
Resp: {"hour": 1, "minute": 1}
